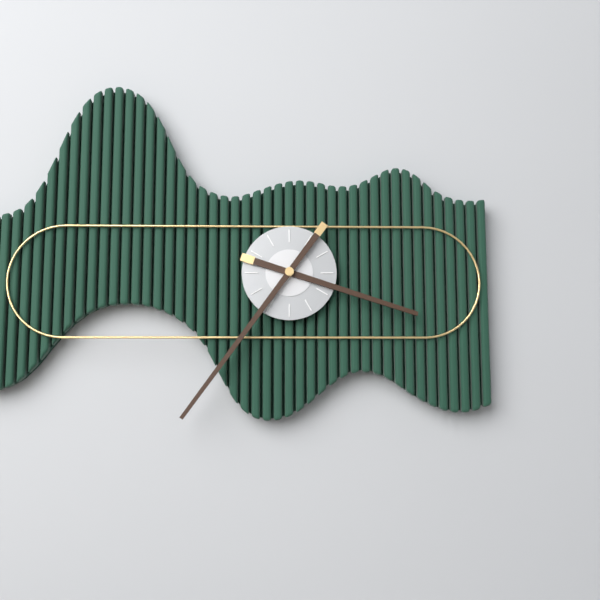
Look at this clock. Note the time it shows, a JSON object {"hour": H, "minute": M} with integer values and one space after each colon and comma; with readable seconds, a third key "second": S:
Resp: {"hour": 3, "minute": 36}
